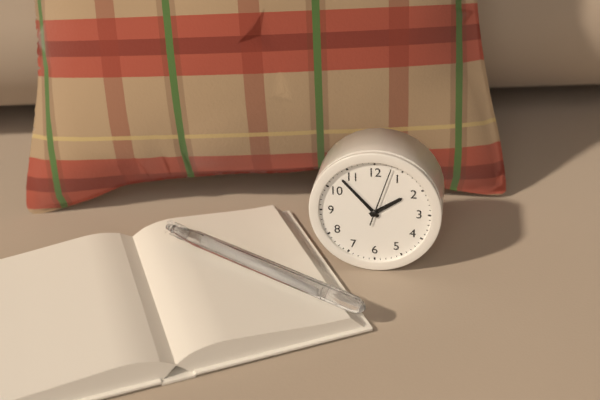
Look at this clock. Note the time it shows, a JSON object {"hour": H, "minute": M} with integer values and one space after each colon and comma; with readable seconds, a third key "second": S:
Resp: {"hour": 1, "minute": 53, "second": 3}
